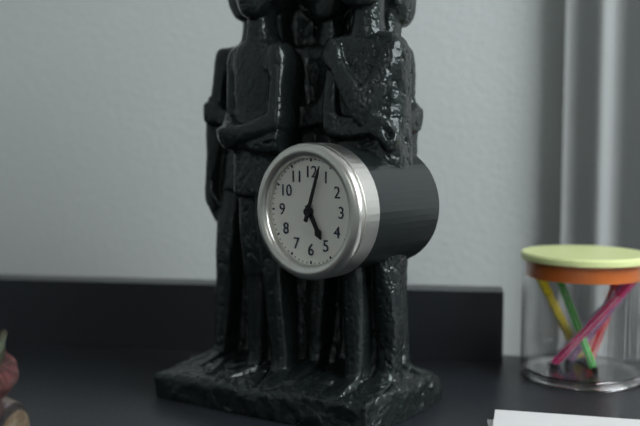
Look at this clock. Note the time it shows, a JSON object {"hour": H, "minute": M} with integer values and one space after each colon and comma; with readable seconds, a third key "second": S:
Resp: {"hour": 5, "minute": 3}
